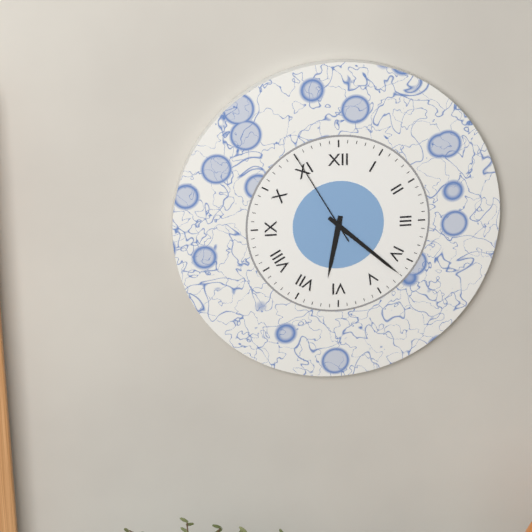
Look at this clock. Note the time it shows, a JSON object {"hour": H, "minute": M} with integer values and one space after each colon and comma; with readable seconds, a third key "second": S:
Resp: {"hour": 6, "minute": 22, "second": 55}
